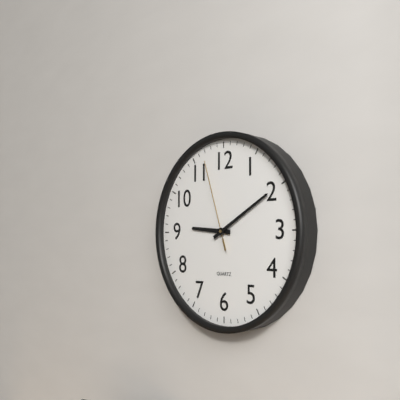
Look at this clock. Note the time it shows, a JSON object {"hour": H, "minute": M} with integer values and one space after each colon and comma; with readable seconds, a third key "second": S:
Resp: {"hour": 9, "minute": 10, "second": 57}
